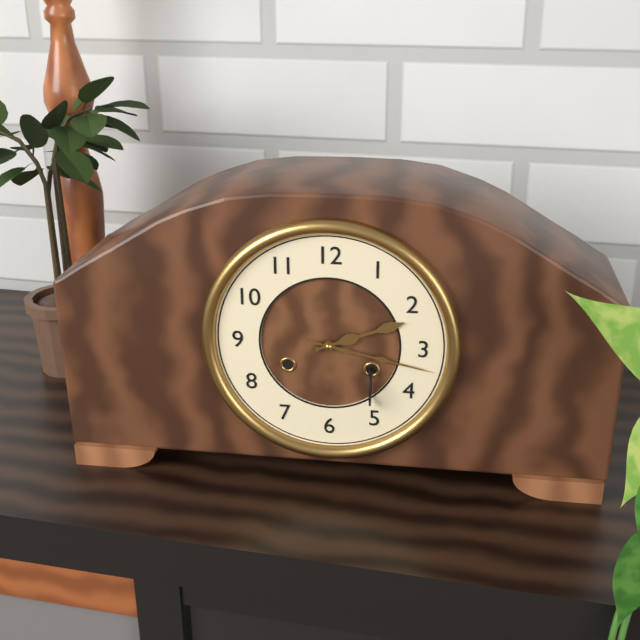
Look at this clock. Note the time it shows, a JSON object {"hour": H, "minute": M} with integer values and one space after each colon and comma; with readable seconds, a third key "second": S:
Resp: {"hour": 2, "minute": 17}
